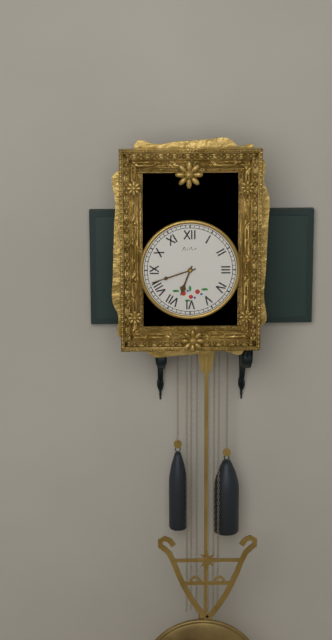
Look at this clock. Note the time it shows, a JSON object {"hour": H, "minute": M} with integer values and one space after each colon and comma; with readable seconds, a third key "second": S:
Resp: {"hour": 6, "minute": 42}
